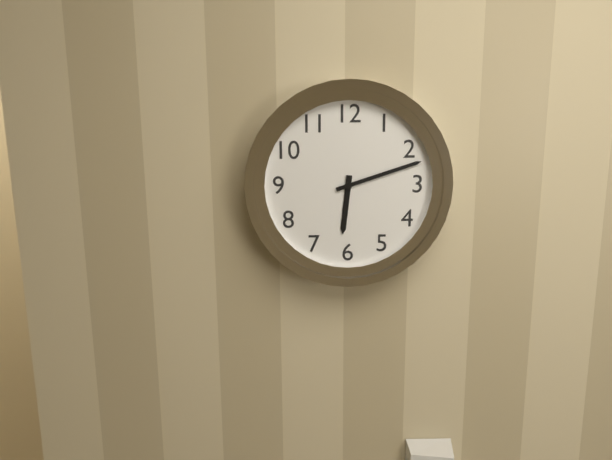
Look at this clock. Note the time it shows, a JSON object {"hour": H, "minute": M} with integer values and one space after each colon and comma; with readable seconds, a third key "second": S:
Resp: {"hour": 6, "minute": 12}
